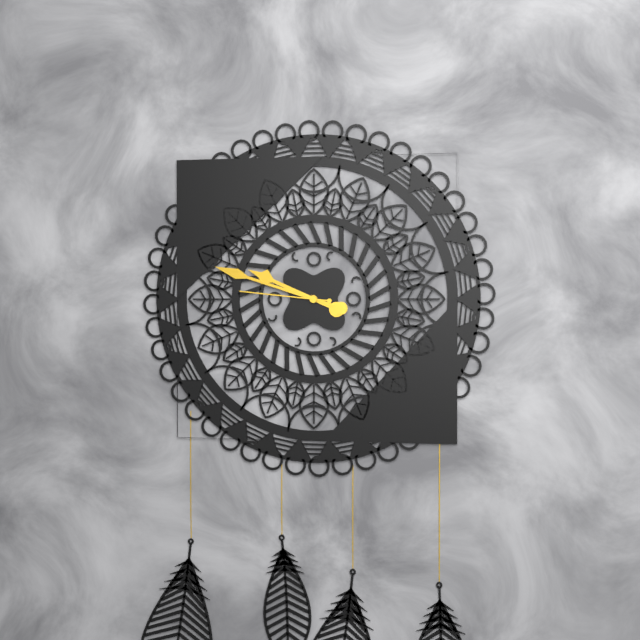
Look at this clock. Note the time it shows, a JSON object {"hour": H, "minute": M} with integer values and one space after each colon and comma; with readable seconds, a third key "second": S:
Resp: {"hour": 9, "minute": 48, "second": 46}
